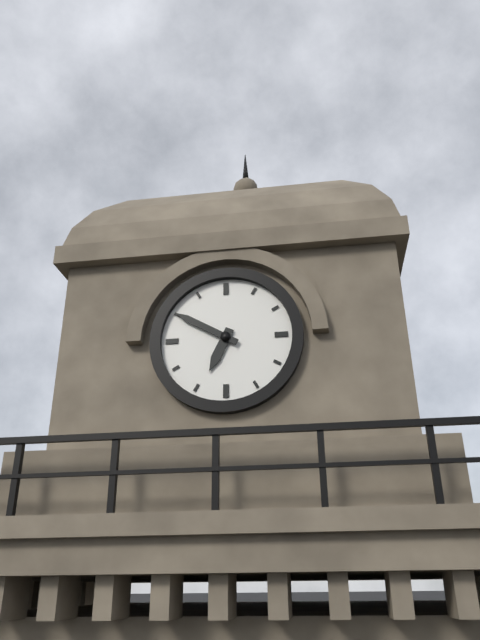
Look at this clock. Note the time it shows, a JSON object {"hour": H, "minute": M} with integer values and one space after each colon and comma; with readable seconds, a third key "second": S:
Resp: {"hour": 6, "minute": 50}
